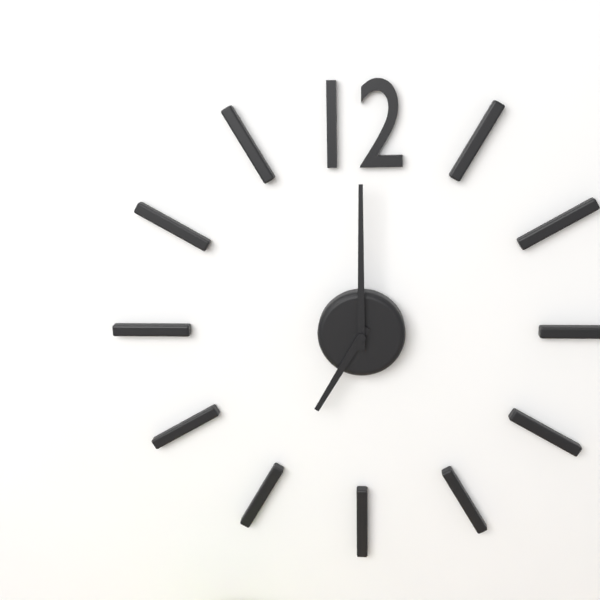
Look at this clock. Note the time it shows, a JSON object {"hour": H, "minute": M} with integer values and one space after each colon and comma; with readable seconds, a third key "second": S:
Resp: {"hour": 7, "minute": 0}
